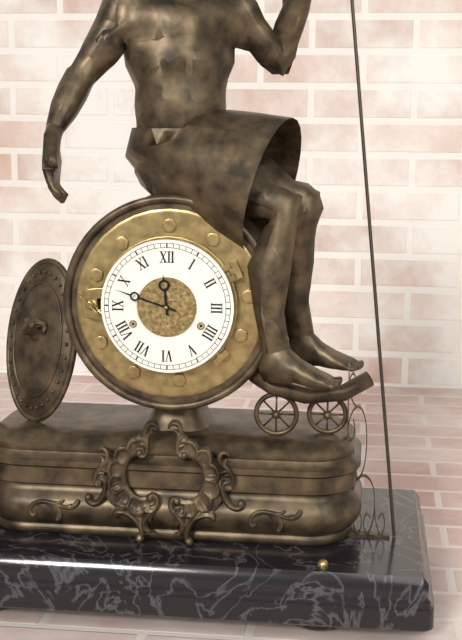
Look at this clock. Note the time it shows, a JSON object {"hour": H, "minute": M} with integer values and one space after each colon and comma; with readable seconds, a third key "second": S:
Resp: {"hour": 11, "minute": 48}
